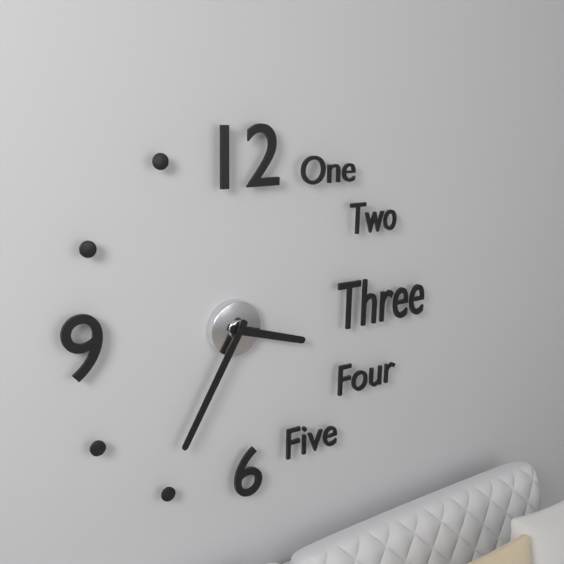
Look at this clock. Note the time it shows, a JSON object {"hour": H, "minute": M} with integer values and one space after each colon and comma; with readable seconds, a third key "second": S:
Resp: {"hour": 3, "minute": 35}
